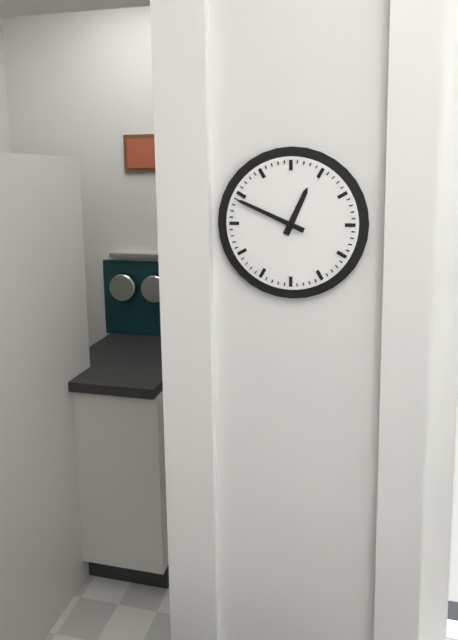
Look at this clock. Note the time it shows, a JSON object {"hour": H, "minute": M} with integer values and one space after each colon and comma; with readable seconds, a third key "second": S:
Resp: {"hour": 12, "minute": 49}
